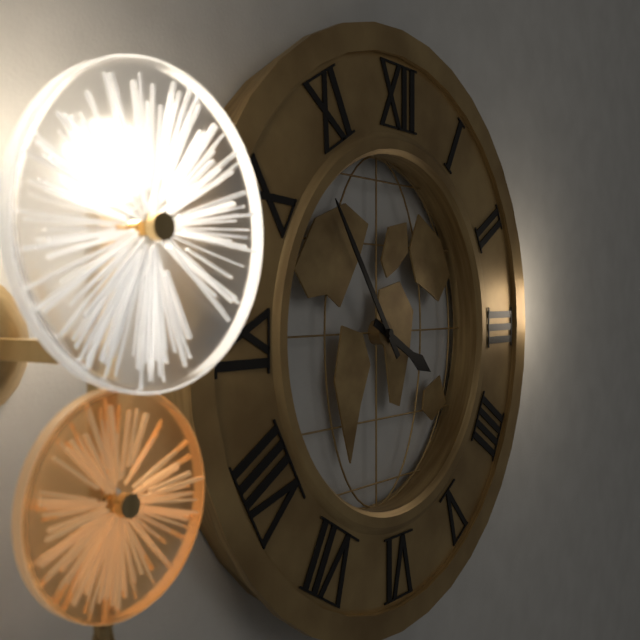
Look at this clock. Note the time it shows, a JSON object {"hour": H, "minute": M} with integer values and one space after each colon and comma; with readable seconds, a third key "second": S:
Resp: {"hour": 3, "minute": 54}
